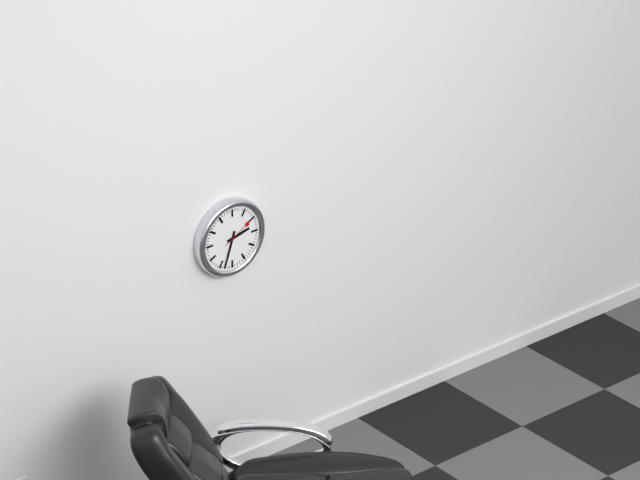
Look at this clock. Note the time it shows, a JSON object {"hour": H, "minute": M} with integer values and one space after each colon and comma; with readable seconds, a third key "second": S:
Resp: {"hour": 2, "minute": 33}
